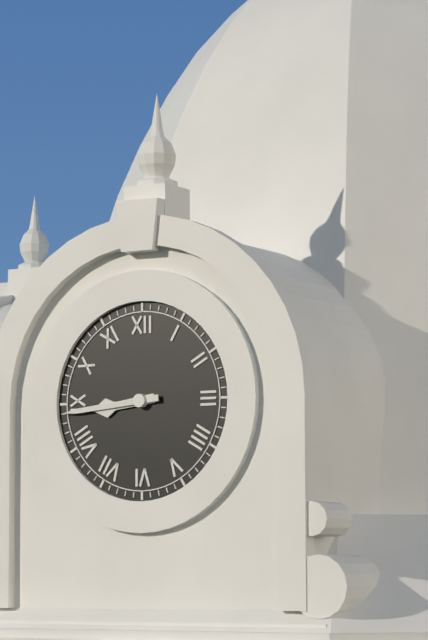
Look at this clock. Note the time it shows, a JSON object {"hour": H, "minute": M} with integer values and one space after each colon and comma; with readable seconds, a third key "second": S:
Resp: {"hour": 8, "minute": 44}
